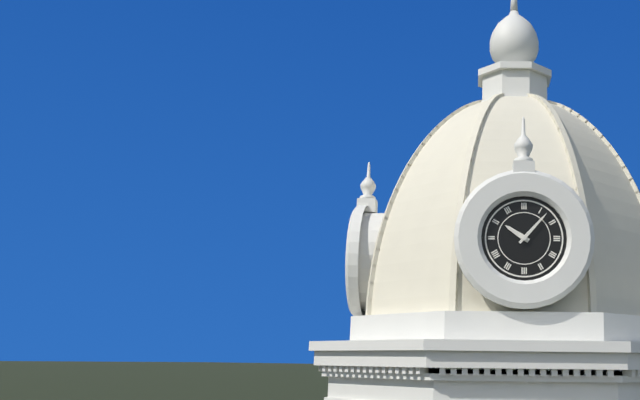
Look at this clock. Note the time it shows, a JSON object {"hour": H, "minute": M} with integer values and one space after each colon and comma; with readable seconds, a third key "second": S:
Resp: {"hour": 10, "minute": 7}
